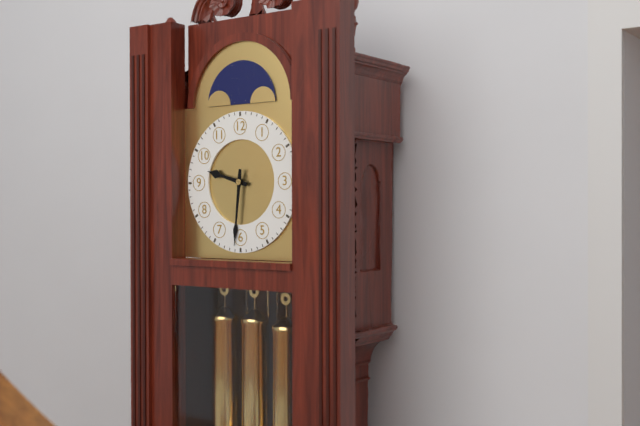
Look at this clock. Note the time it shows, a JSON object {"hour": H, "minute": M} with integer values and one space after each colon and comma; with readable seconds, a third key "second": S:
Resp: {"hour": 9, "minute": 31}
